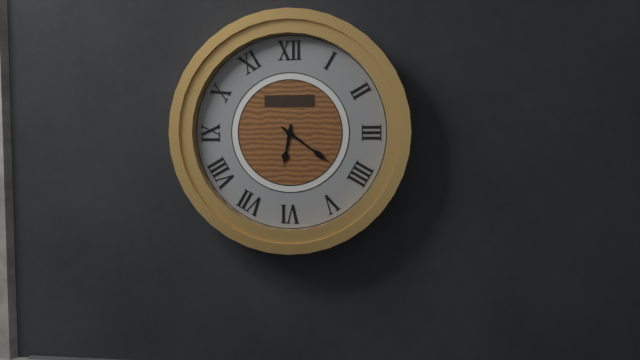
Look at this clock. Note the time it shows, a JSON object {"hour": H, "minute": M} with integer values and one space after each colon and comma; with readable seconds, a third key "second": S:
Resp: {"hour": 6, "minute": 21}
